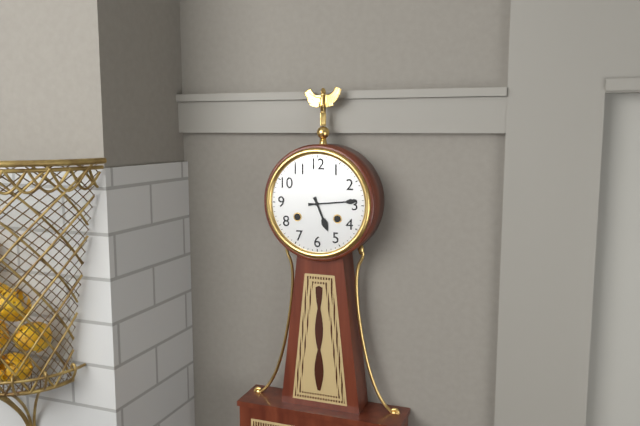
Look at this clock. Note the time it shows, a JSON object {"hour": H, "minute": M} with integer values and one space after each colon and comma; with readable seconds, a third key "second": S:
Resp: {"hour": 5, "minute": 14}
